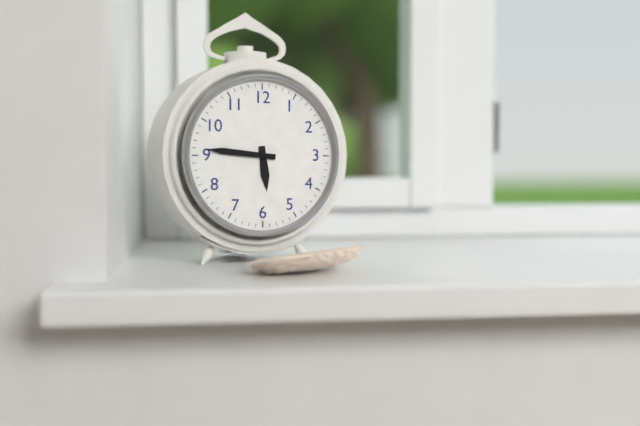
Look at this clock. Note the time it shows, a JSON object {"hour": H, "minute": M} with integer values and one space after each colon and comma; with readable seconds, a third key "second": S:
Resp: {"hour": 5, "minute": 46}
